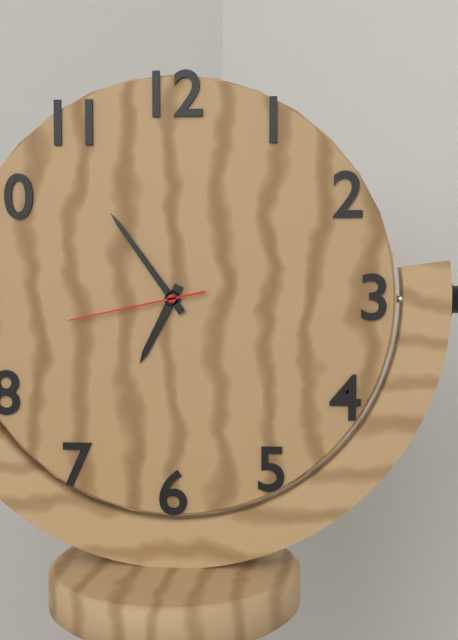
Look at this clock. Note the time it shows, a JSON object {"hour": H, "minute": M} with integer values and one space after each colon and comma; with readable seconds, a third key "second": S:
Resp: {"hour": 6, "minute": 54, "second": 43}
